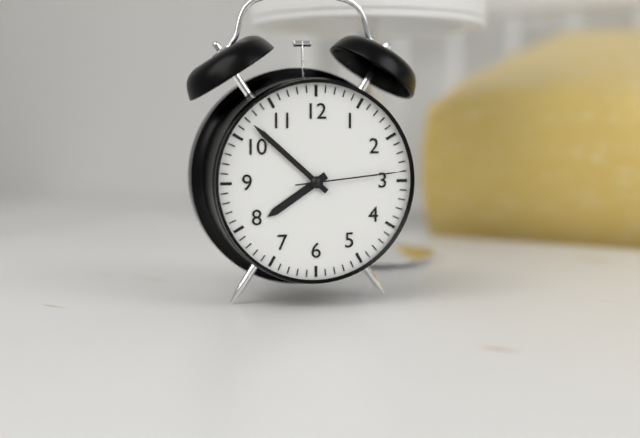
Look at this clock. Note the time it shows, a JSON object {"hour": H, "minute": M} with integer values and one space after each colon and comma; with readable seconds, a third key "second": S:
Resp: {"hour": 7, "minute": 52, "second": 14}
